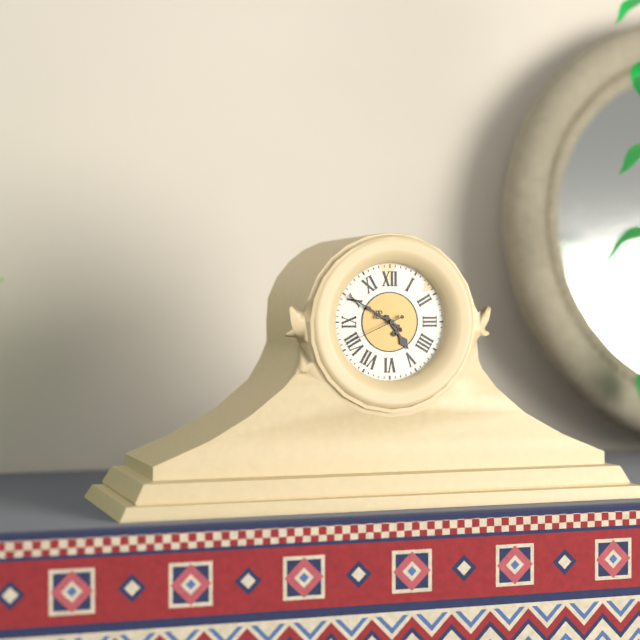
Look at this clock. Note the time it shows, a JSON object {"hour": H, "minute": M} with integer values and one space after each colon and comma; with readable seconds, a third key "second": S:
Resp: {"hour": 4, "minute": 50, "second": 41}
